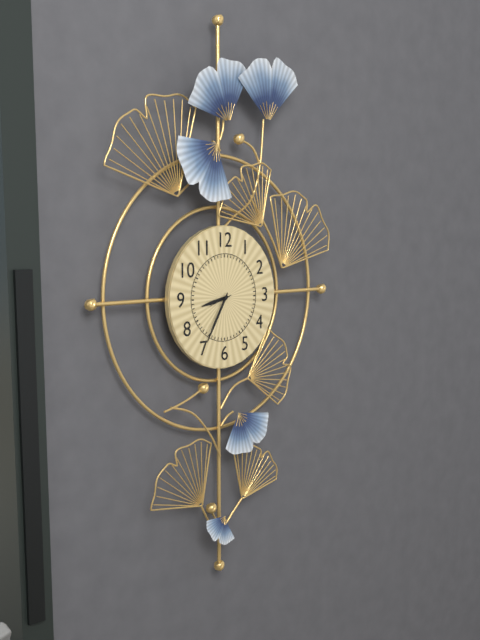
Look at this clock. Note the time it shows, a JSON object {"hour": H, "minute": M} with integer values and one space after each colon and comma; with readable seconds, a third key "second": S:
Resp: {"hour": 8, "minute": 35}
